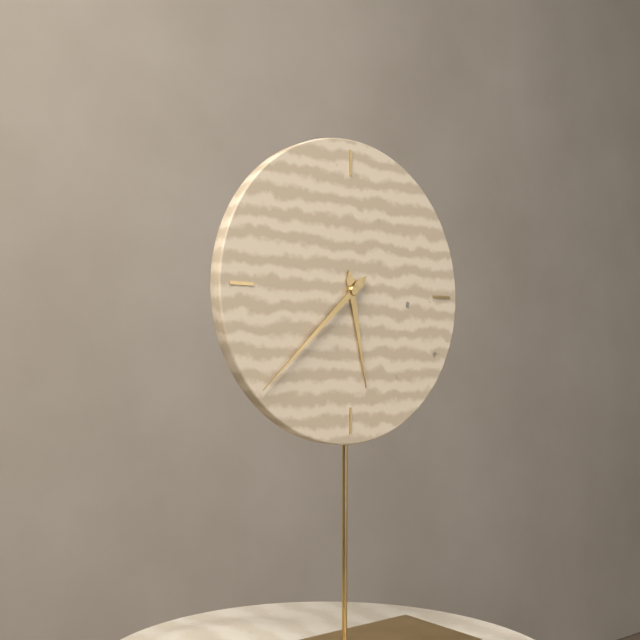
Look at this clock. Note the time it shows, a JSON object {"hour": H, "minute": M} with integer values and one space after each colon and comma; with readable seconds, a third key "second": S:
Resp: {"hour": 5, "minute": 38}
